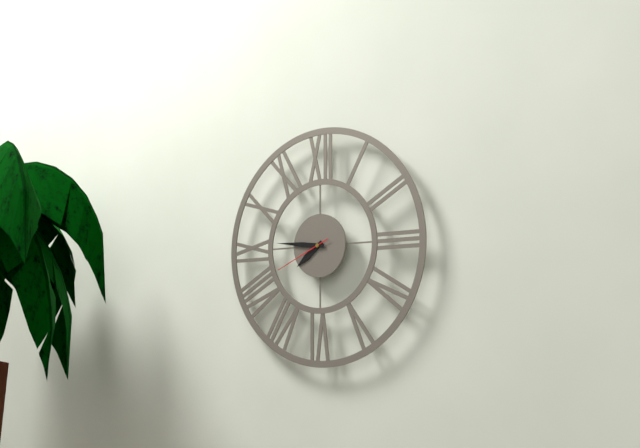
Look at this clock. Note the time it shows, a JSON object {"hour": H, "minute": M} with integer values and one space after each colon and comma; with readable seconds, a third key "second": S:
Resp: {"hour": 7, "minute": 46, "second": 41}
